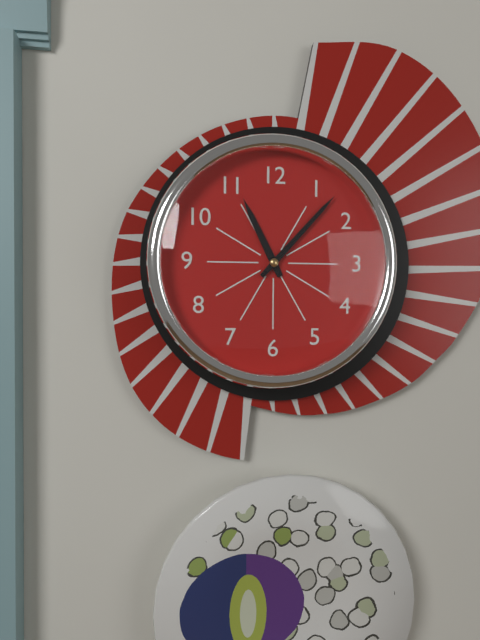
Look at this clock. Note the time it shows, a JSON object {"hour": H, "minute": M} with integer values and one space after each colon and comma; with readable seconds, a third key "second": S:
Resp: {"hour": 11, "minute": 7}
